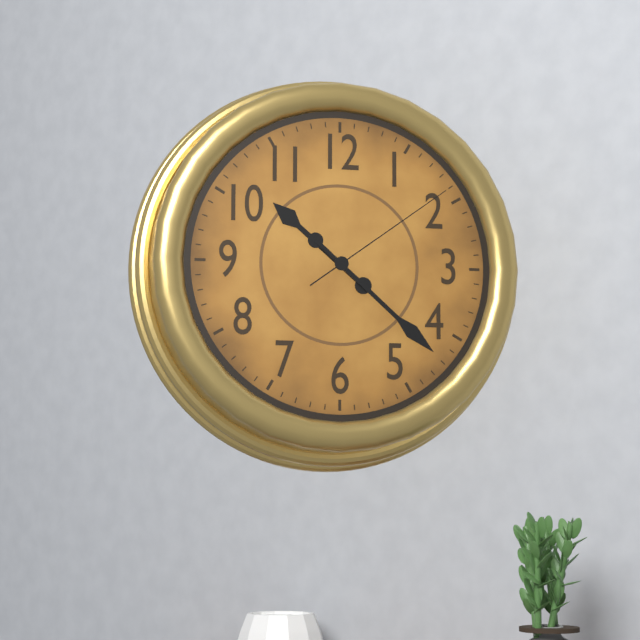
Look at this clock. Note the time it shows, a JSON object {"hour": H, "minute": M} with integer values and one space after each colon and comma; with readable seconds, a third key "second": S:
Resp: {"hour": 10, "minute": 22, "second": 9}
